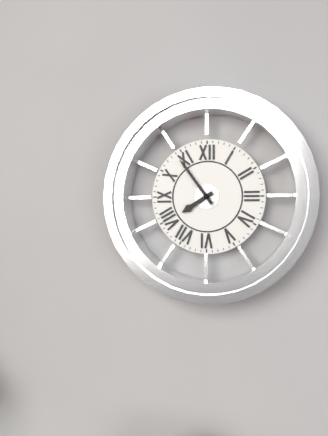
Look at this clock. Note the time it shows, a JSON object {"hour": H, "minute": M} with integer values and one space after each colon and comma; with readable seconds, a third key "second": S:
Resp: {"hour": 7, "minute": 54}
